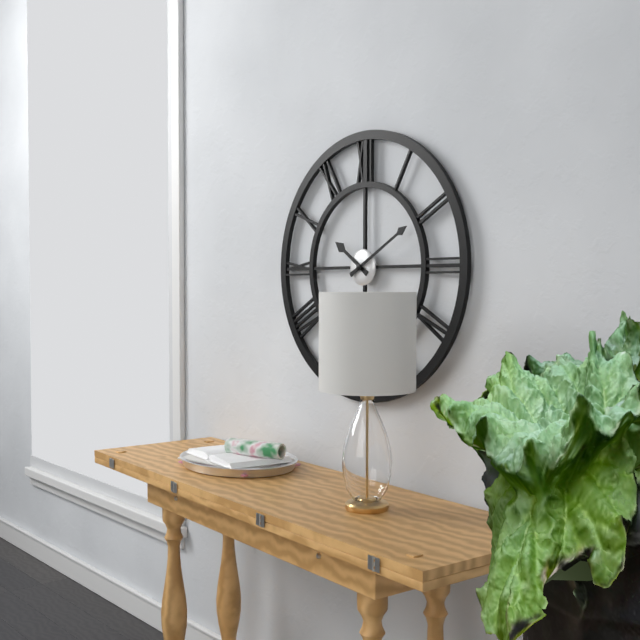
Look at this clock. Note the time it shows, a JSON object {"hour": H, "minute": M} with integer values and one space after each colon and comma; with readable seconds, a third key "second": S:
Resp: {"hour": 10, "minute": 10}
